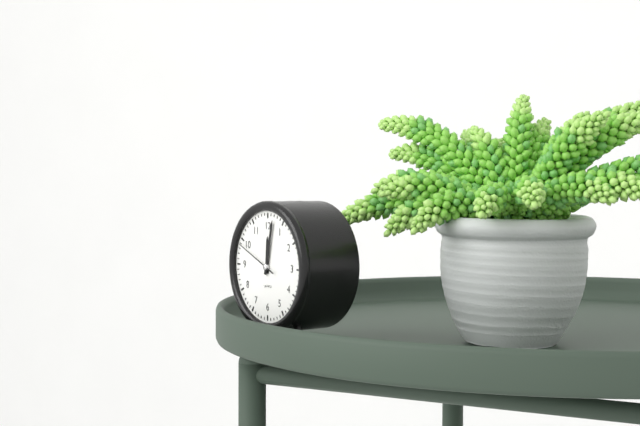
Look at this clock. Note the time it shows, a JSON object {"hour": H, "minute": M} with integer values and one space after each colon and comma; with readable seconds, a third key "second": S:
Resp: {"hour": 12, "minute": 2}
